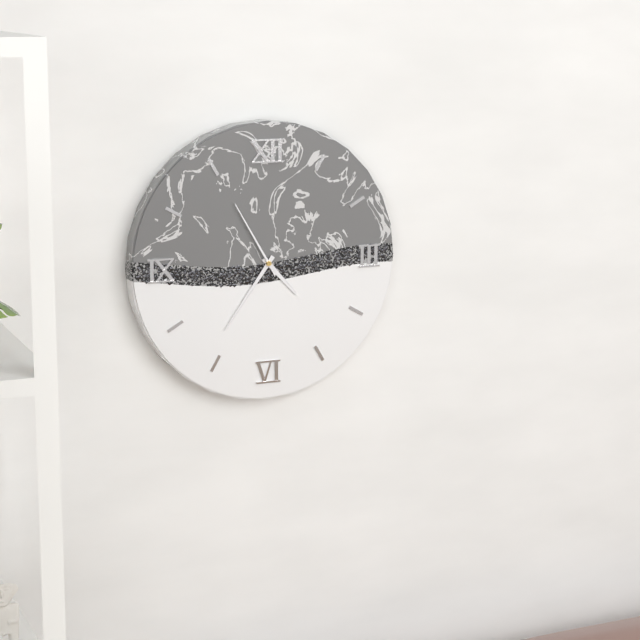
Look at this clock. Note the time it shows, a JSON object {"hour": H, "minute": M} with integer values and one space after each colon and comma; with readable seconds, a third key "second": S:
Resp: {"hour": 4, "minute": 36, "second": 55}
